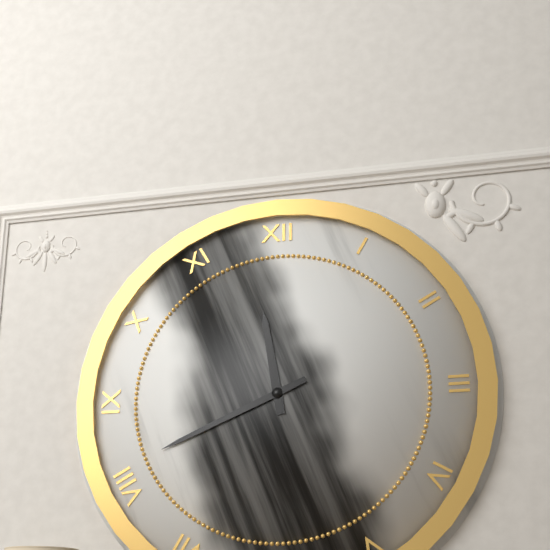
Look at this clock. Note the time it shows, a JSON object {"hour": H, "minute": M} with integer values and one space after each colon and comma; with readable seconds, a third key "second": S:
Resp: {"hour": 11, "minute": 41}
